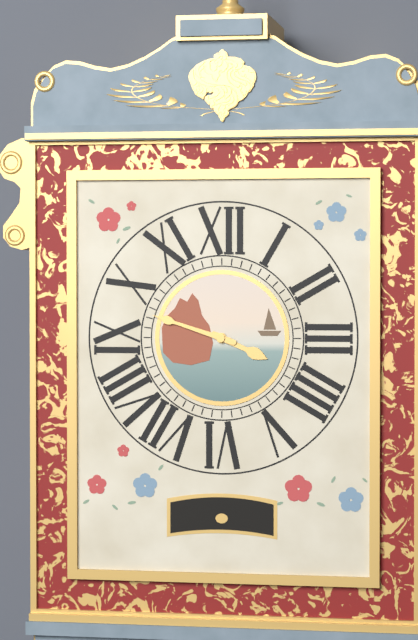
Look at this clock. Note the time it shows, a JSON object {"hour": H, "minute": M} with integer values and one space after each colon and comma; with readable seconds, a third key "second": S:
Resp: {"hour": 3, "minute": 48}
